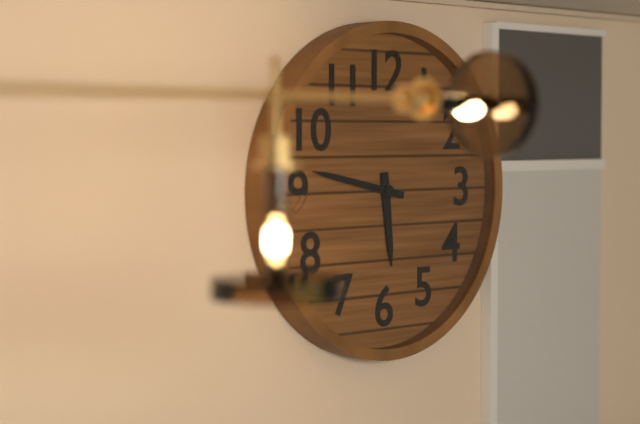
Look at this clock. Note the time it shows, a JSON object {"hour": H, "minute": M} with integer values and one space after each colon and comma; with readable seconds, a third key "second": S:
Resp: {"hour": 5, "minute": 47}
